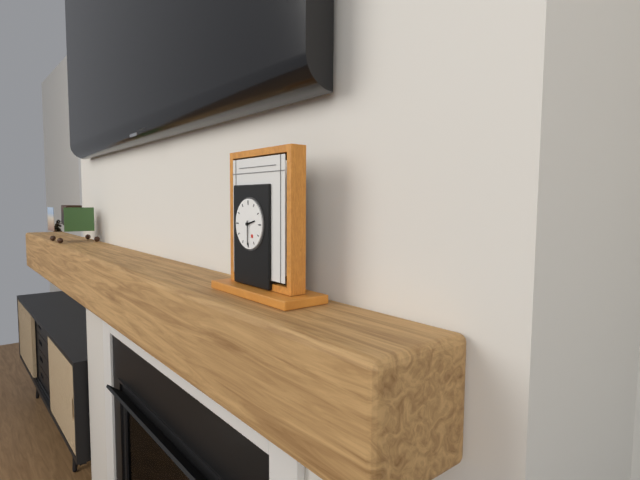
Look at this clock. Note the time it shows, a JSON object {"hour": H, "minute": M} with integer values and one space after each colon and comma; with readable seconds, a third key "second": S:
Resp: {"hour": 2, "minute": 30}
